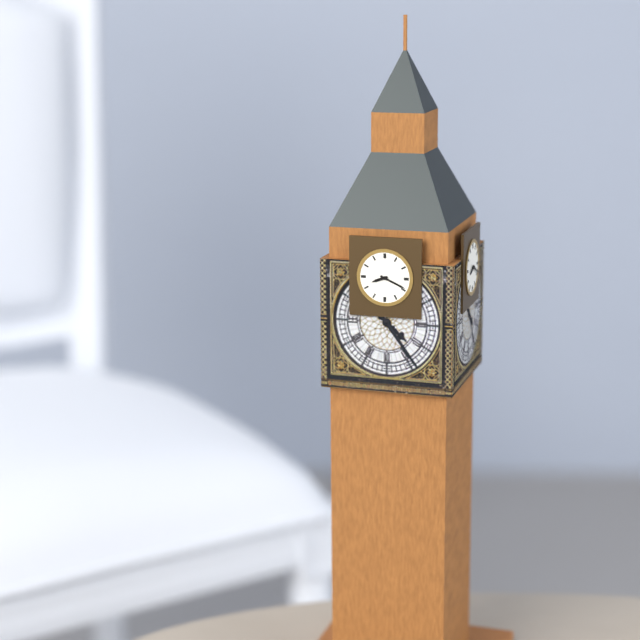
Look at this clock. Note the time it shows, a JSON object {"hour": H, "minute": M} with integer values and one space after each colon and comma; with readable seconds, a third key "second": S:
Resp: {"hour": 8, "minute": 19}
